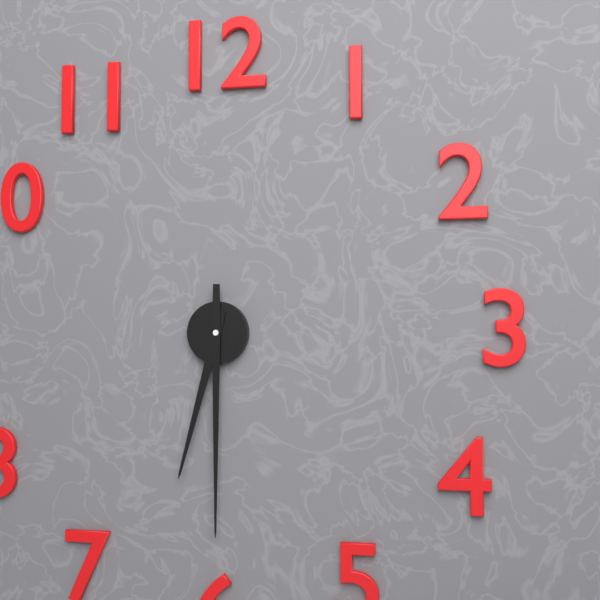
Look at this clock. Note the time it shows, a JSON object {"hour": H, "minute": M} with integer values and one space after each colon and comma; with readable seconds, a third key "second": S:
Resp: {"hour": 6, "minute": 30}
